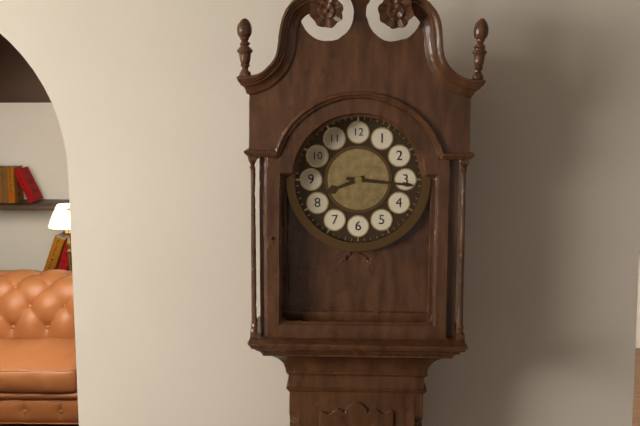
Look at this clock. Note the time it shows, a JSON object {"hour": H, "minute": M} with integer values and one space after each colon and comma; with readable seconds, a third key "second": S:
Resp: {"hour": 8, "minute": 16}
